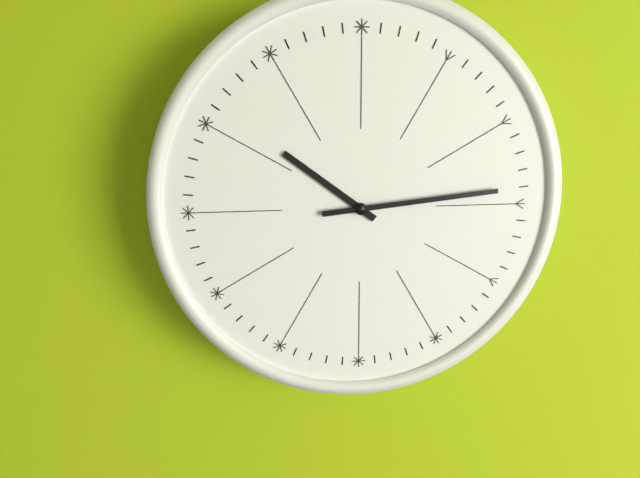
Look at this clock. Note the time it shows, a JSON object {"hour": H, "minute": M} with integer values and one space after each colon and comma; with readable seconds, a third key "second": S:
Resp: {"hour": 10, "minute": 14}
